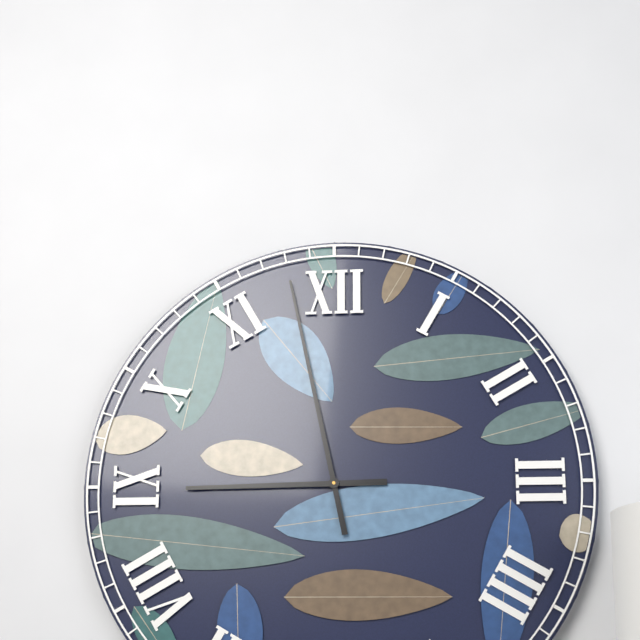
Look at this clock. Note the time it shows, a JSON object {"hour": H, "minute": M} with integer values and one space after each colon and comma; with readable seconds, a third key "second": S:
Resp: {"hour": 8, "minute": 58}
